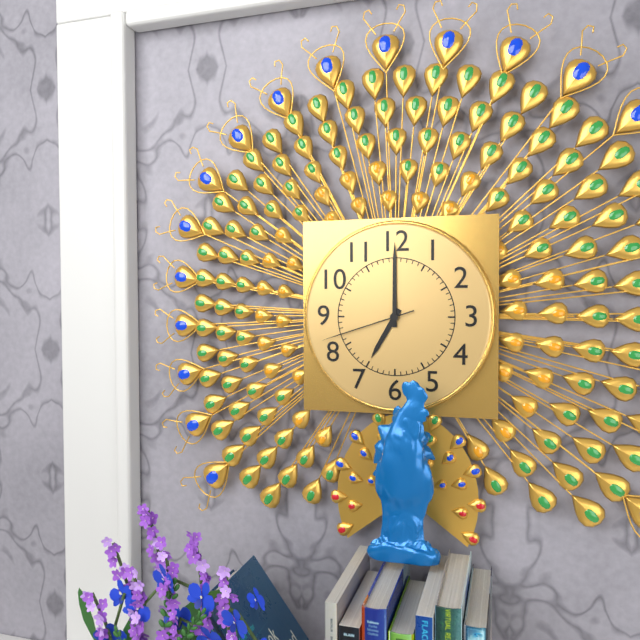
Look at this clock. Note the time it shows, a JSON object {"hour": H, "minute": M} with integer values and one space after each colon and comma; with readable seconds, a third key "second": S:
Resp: {"hour": 7, "minute": 0, "second": 42}
